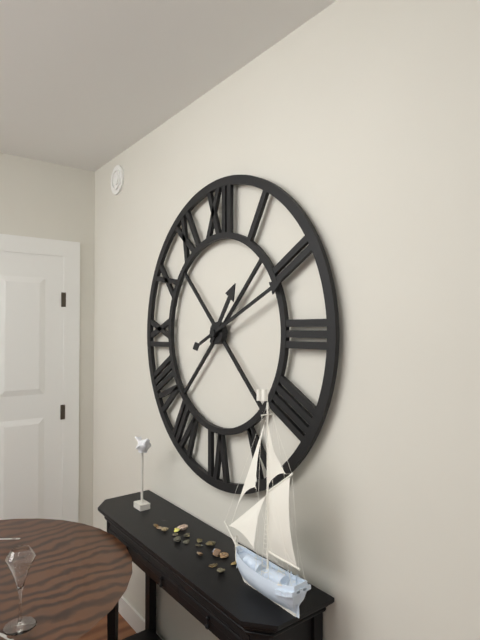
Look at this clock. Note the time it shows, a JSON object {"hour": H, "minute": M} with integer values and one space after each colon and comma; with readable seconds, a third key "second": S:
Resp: {"hour": 1, "minute": 11}
